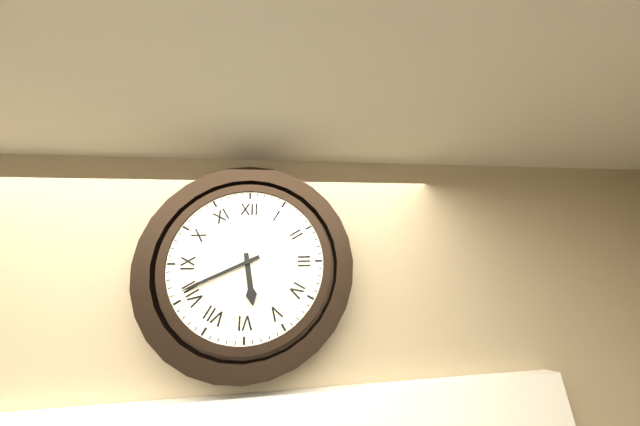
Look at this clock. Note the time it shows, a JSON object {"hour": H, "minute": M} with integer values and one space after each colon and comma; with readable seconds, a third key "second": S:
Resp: {"hour": 5, "minute": 41}
